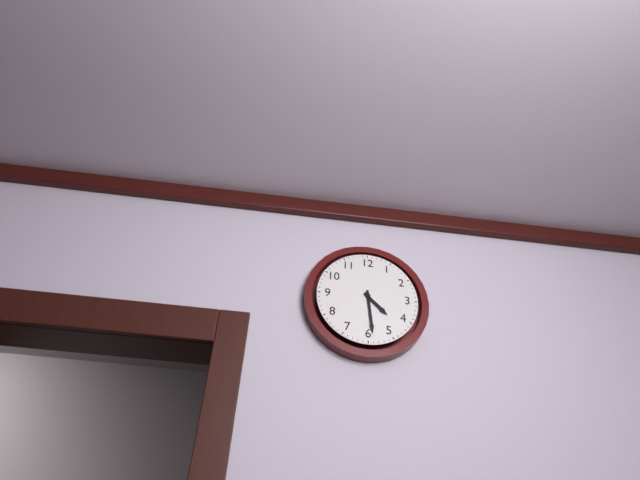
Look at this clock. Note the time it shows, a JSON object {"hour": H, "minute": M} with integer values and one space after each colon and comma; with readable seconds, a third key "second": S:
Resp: {"hour": 4, "minute": 29}
